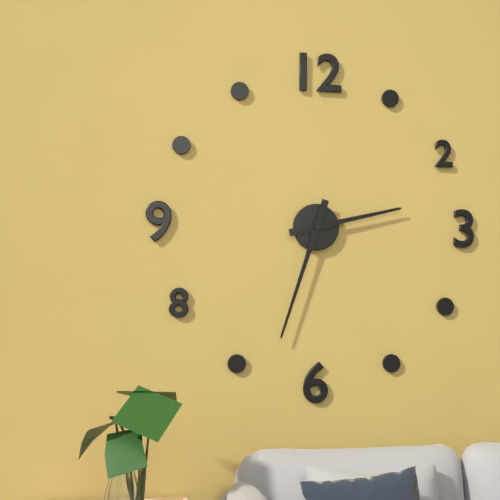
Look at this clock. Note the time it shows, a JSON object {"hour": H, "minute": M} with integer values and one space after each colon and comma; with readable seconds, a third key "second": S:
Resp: {"hour": 2, "minute": 33}
